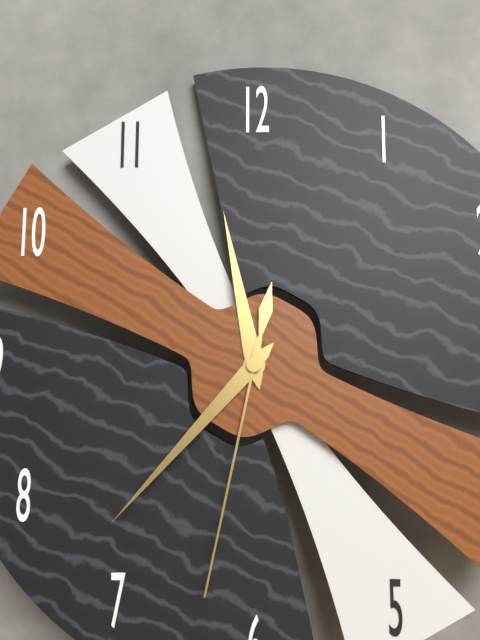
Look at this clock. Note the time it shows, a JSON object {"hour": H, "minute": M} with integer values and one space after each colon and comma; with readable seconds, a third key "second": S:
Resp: {"hour": 11, "minute": 37, "second": 32}
